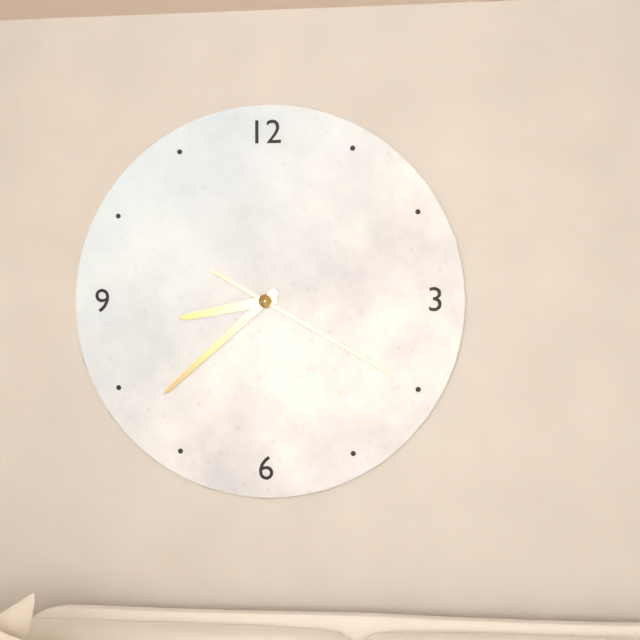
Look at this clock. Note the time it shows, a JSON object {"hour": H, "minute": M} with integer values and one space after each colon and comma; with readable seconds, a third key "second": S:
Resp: {"hour": 8, "minute": 38, "second": 20}
